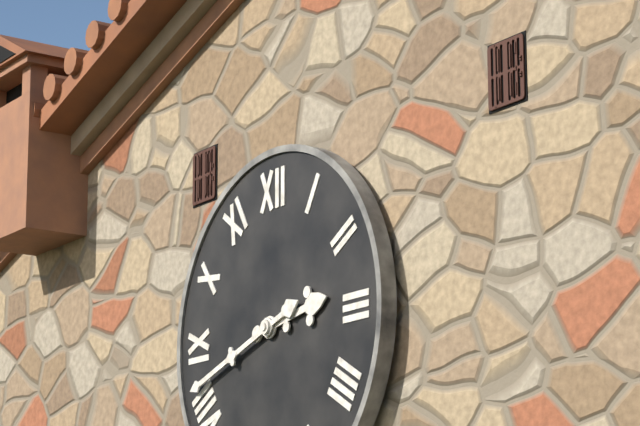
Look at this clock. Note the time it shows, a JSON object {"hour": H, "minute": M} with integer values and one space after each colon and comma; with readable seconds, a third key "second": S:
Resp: {"hour": 2, "minute": 42}
